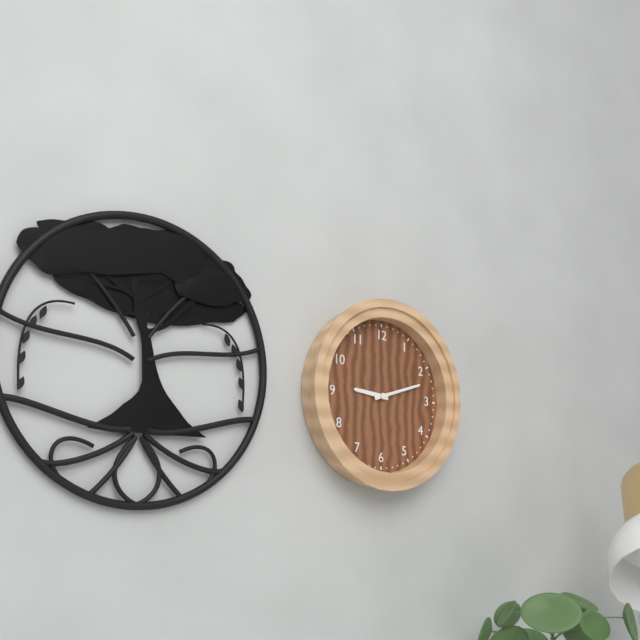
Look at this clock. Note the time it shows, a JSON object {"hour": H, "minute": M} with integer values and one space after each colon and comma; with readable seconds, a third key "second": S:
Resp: {"hour": 9, "minute": 12}
